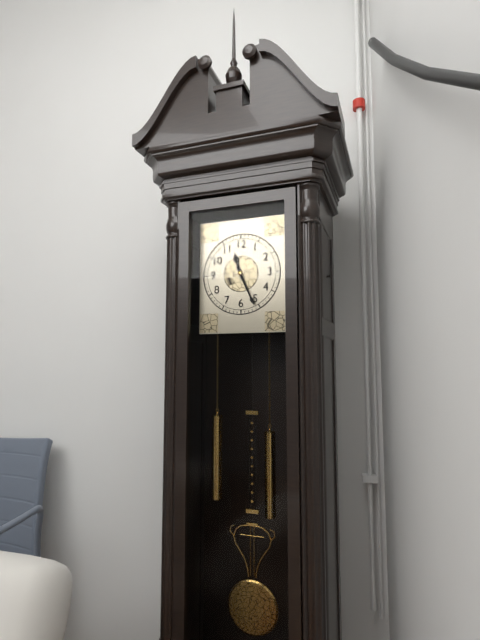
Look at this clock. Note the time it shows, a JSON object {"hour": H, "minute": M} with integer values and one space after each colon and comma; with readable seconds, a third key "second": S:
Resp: {"hour": 11, "minute": 26}
